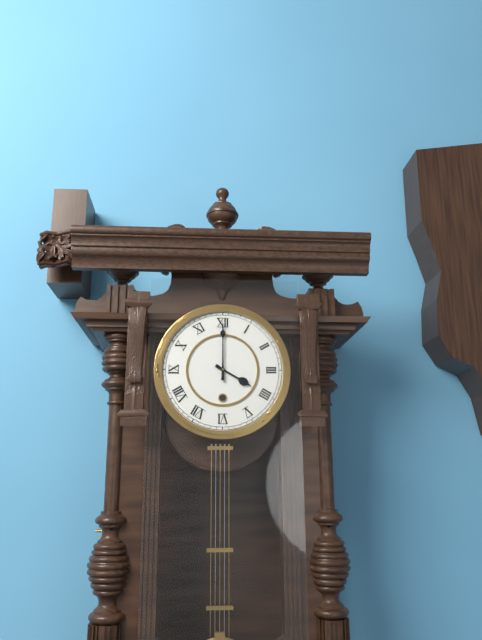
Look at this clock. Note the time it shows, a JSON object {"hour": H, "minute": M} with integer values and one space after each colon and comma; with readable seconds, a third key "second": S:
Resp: {"hour": 4, "minute": 0}
